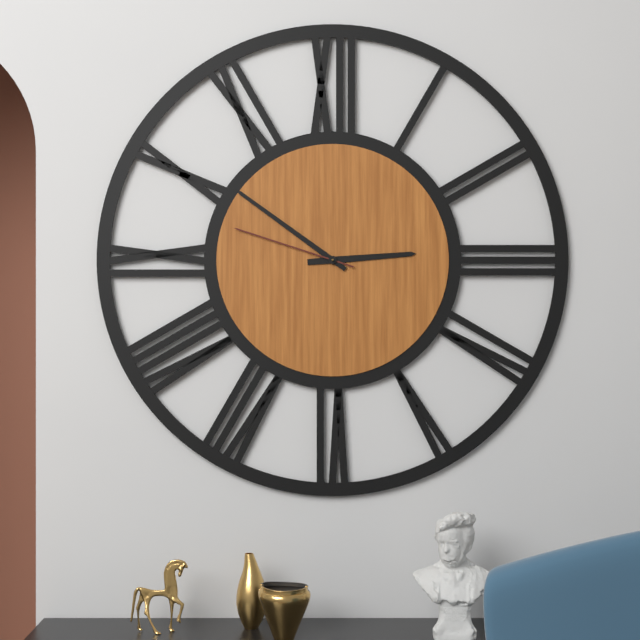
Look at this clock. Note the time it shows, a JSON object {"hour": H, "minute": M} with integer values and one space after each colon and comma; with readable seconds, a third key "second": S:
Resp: {"hour": 2, "minute": 51, "second": 48}
